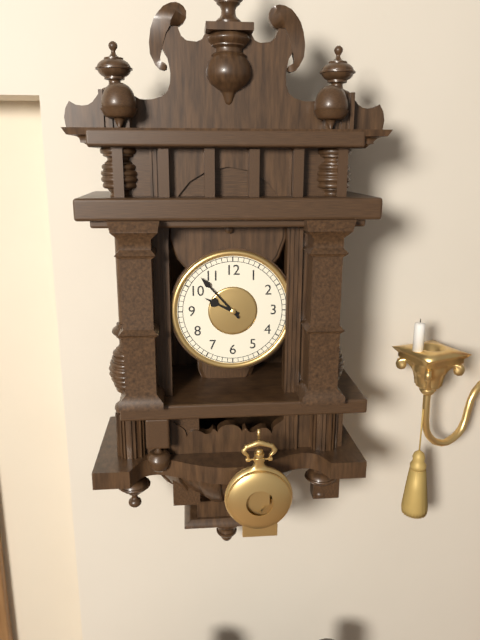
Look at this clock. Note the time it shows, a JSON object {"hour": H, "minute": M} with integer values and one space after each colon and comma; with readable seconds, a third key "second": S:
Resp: {"hour": 9, "minute": 53}
